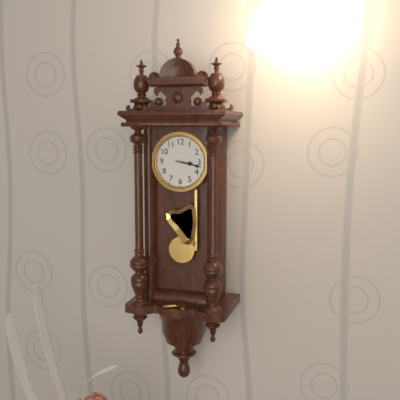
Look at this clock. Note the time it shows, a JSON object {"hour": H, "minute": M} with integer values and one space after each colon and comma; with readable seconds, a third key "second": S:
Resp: {"hour": 3, "minute": 17}
